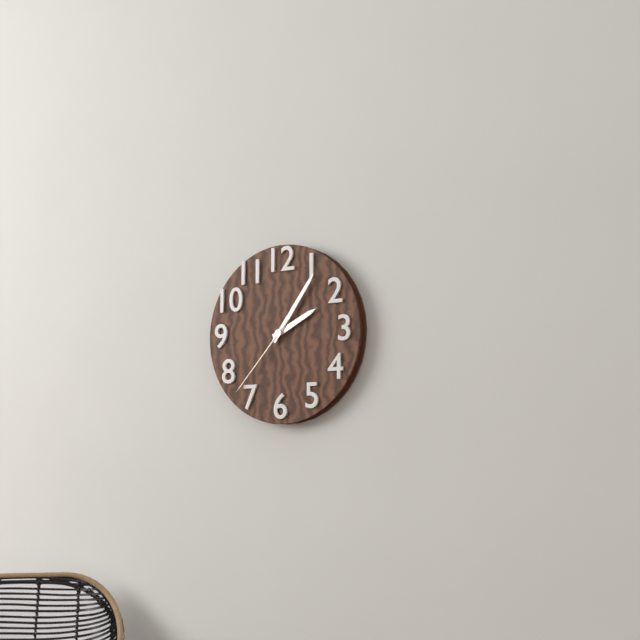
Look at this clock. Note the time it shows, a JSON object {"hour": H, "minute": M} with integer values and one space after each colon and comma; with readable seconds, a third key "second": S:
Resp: {"hour": 2, "minute": 6, "second": 37}
